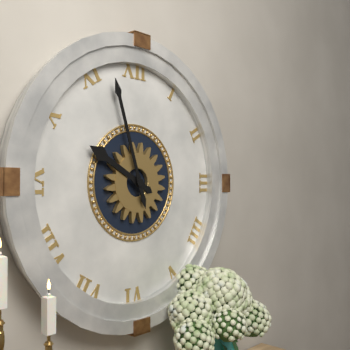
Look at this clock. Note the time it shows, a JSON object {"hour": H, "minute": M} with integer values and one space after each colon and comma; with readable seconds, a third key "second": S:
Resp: {"hour": 9, "minute": 57}
